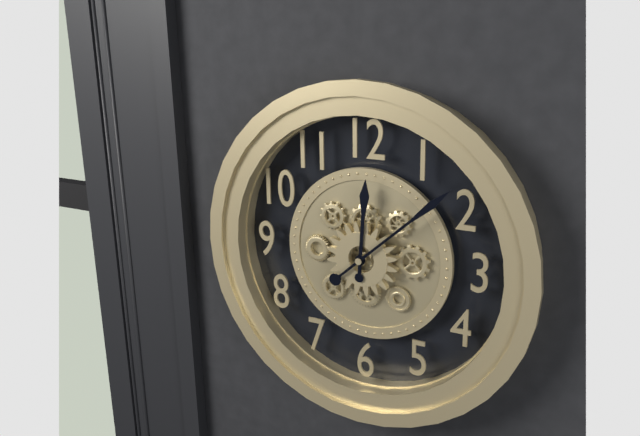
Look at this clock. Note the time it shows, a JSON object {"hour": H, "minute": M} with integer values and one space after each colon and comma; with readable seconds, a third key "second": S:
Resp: {"hour": 12, "minute": 8}
